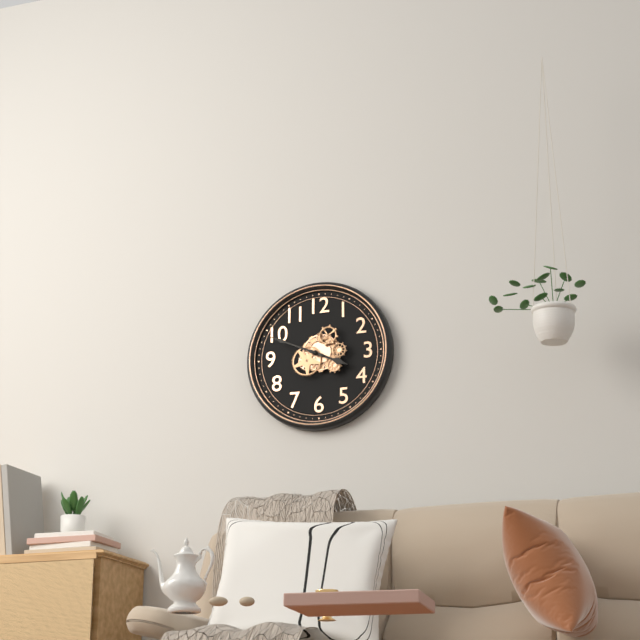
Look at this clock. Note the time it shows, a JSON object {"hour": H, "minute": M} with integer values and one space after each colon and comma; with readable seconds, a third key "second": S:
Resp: {"hour": 3, "minute": 49}
